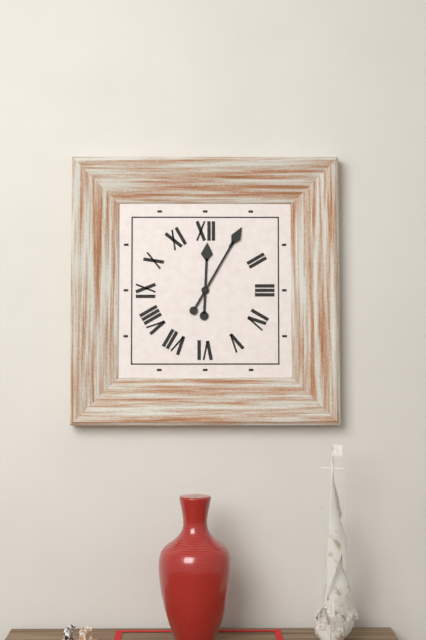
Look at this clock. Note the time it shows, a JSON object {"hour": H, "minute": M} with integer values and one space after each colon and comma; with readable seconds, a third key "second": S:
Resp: {"hour": 12, "minute": 5}
